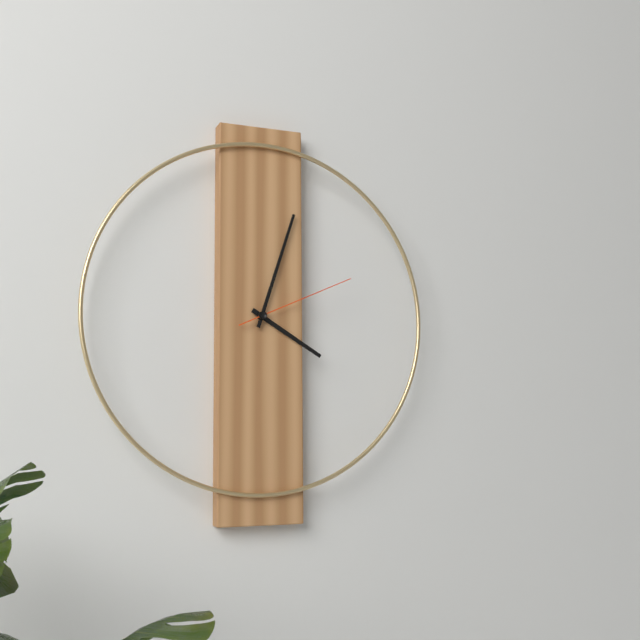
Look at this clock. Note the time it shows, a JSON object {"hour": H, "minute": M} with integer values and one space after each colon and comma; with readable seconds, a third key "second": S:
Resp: {"hour": 4, "minute": 3, "second": 11}
